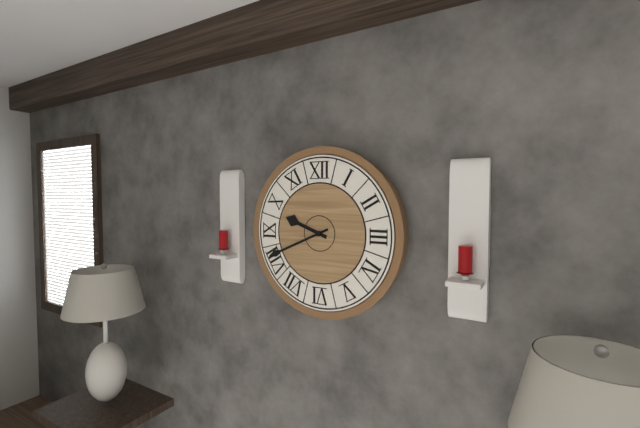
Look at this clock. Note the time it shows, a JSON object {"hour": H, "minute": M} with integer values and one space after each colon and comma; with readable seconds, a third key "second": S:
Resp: {"hour": 9, "minute": 41}
